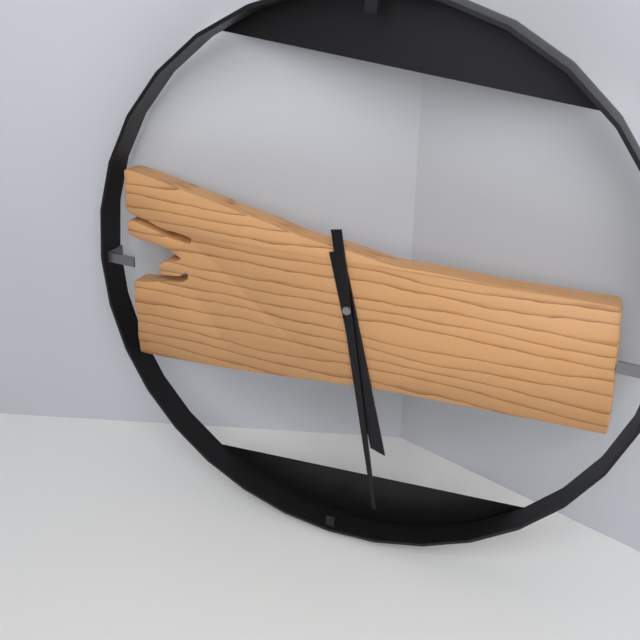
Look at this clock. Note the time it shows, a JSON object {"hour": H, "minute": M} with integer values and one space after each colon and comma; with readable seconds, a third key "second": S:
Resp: {"hour": 5, "minute": 28}
